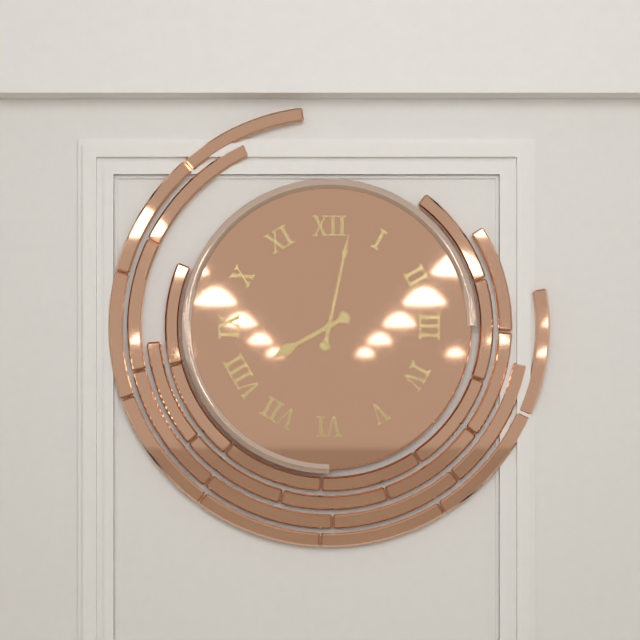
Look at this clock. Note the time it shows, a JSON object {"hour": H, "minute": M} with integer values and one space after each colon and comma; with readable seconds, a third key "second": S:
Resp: {"hour": 8, "minute": 2}
